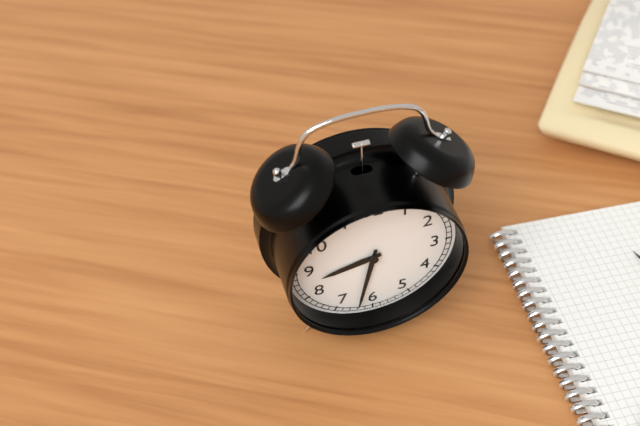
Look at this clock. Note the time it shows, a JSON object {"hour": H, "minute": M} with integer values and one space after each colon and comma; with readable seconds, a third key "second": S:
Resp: {"hour": 8, "minute": 32}
